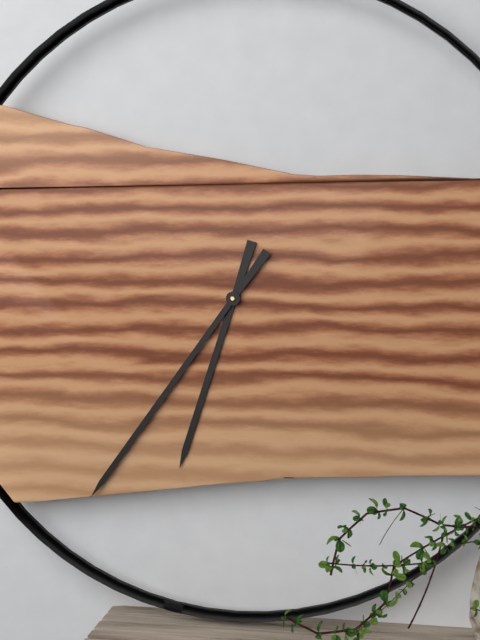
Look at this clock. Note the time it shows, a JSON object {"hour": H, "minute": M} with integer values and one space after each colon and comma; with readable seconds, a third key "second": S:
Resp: {"hour": 6, "minute": 36}
